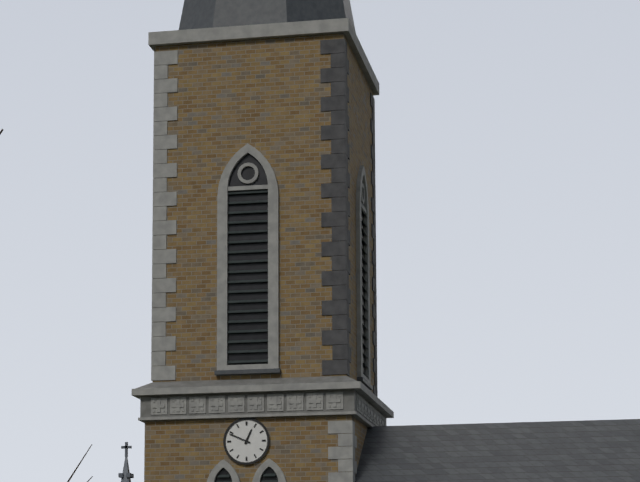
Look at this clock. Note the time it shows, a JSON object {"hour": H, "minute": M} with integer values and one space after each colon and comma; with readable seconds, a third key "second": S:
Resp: {"hour": 12, "minute": 49}
